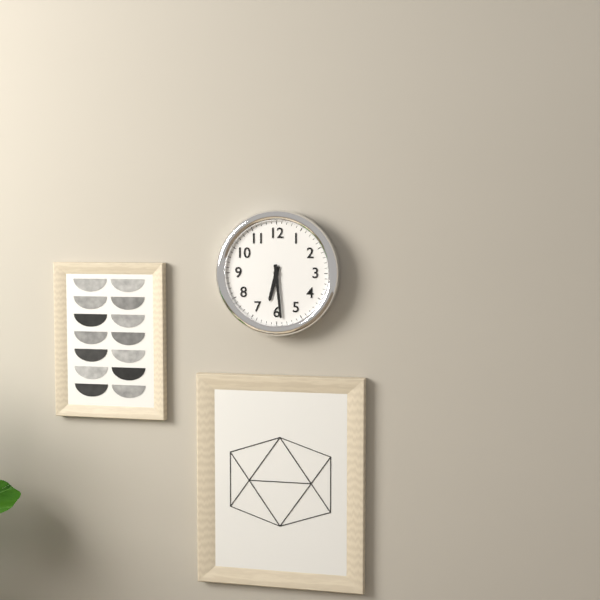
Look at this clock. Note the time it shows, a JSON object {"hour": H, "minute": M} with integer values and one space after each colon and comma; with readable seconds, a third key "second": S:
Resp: {"hour": 6, "minute": 29}
